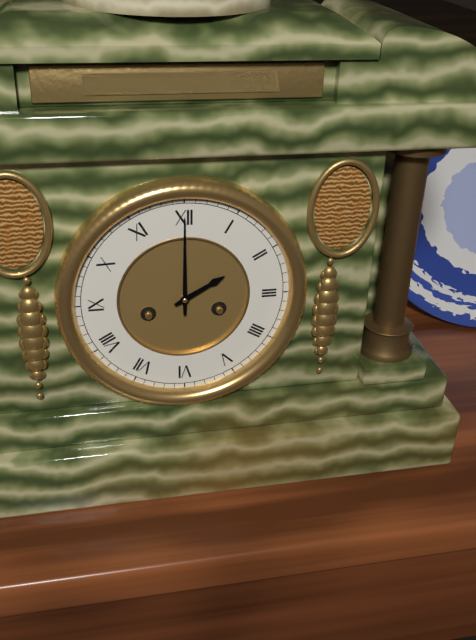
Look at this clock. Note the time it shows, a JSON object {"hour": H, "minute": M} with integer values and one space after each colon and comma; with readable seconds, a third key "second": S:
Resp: {"hour": 2, "minute": 0}
